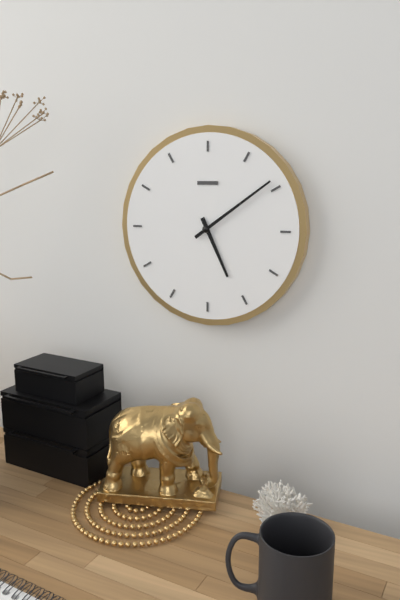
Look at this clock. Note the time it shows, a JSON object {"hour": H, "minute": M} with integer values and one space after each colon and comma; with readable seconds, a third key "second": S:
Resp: {"hour": 5, "minute": 9}
